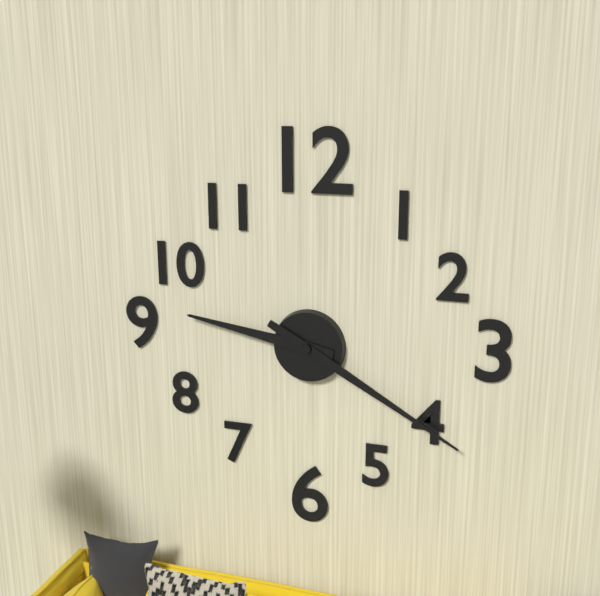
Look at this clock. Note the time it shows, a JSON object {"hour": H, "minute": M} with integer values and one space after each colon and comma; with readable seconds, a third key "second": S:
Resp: {"hour": 9, "minute": 20}
